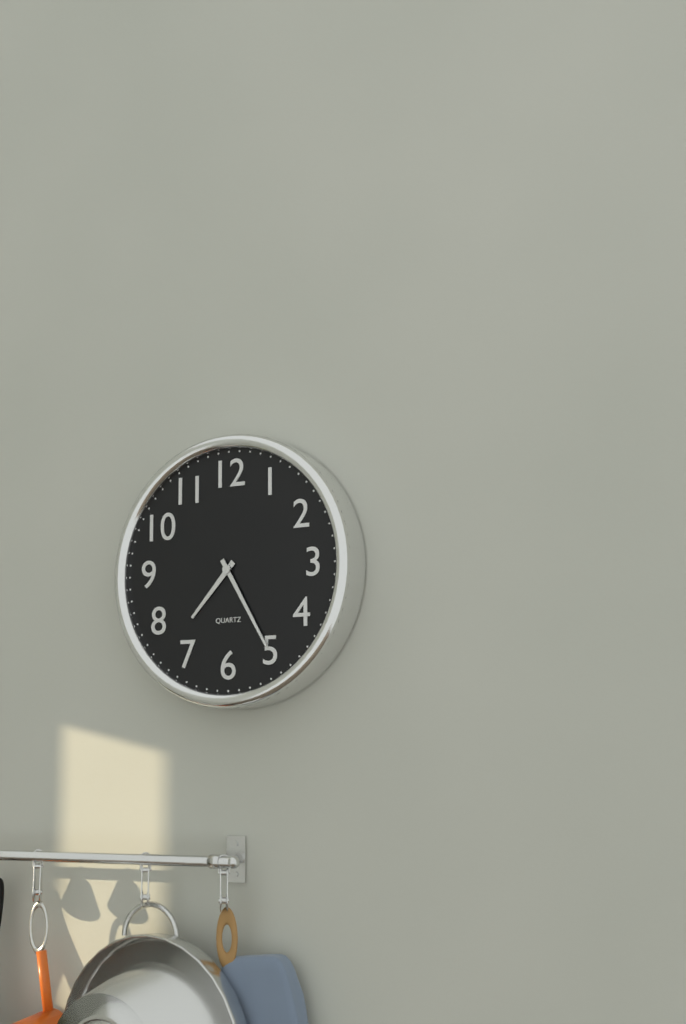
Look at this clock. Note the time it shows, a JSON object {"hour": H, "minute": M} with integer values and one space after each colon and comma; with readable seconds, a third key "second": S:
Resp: {"hour": 7, "minute": 25}
